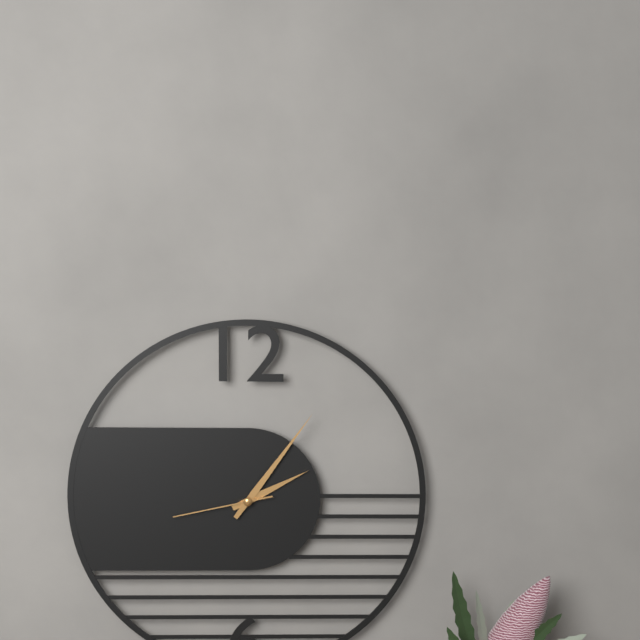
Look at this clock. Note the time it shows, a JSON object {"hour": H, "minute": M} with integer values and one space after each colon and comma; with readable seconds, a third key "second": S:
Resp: {"hour": 2, "minute": 6, "second": 43}
